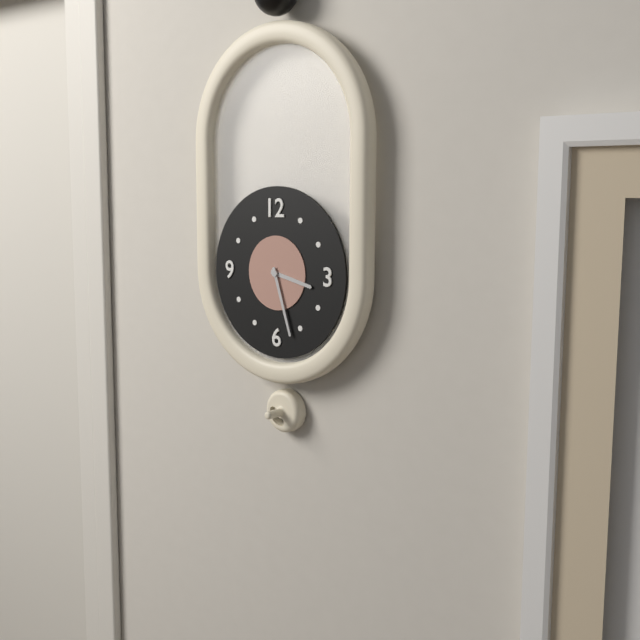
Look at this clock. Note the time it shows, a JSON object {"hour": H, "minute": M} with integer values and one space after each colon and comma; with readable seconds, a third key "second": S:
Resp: {"hour": 3, "minute": 27}
